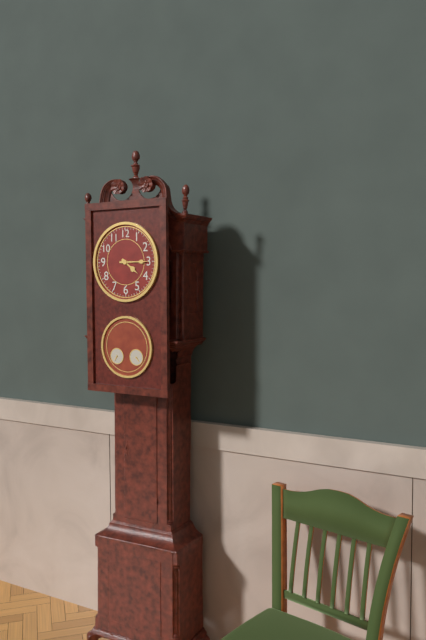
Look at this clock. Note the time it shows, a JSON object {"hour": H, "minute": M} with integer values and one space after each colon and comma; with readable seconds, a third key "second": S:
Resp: {"hour": 4, "minute": 15}
